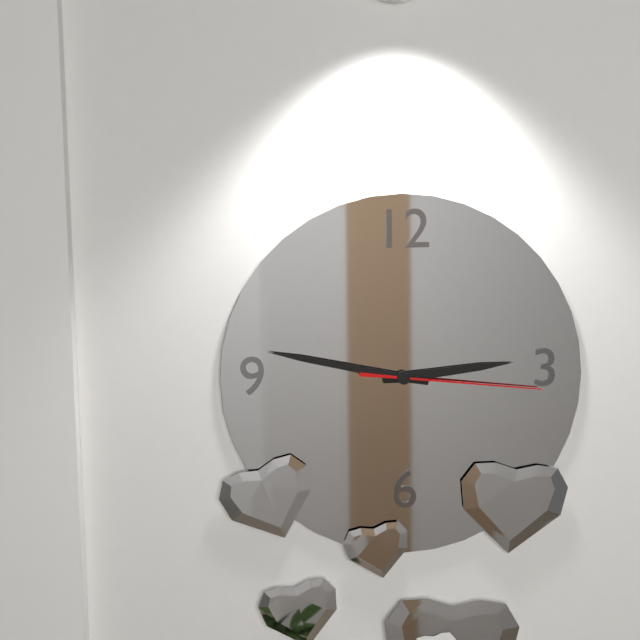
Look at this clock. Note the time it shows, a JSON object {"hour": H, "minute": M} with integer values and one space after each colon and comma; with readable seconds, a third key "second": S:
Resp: {"hour": 2, "minute": 47, "second": 16}
